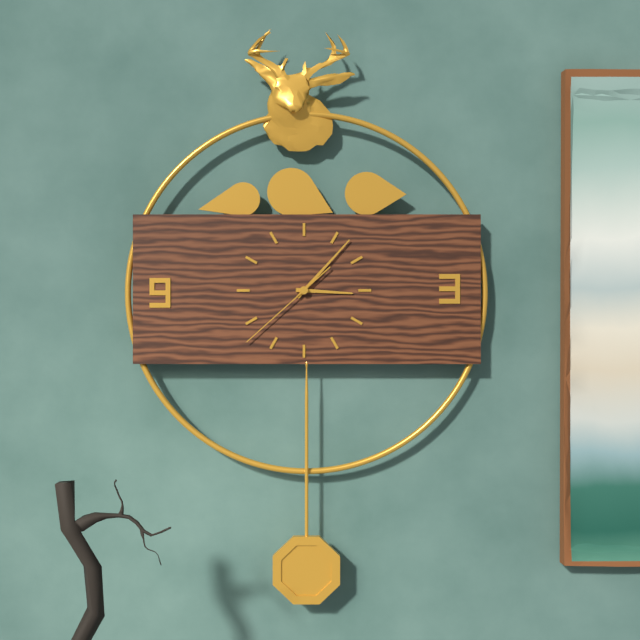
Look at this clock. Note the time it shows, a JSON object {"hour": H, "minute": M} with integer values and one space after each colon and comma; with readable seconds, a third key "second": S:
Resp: {"hour": 3, "minute": 7, "second": 38}
